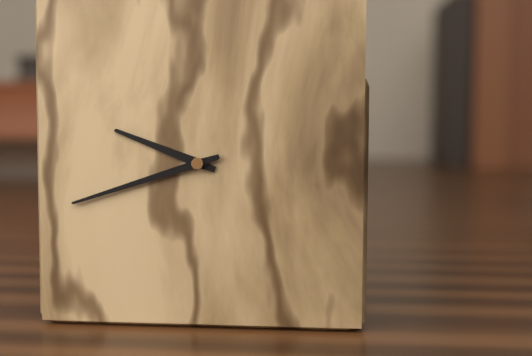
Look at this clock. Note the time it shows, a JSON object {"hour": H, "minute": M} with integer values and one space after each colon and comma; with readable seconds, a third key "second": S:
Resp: {"hour": 9, "minute": 42}
